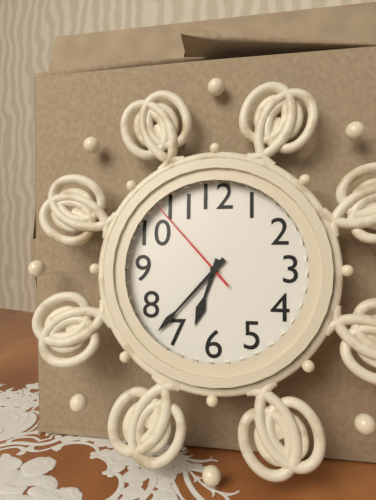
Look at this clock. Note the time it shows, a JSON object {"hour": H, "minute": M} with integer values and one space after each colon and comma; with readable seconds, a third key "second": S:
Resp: {"hour": 6, "minute": 37, "second": 53}
